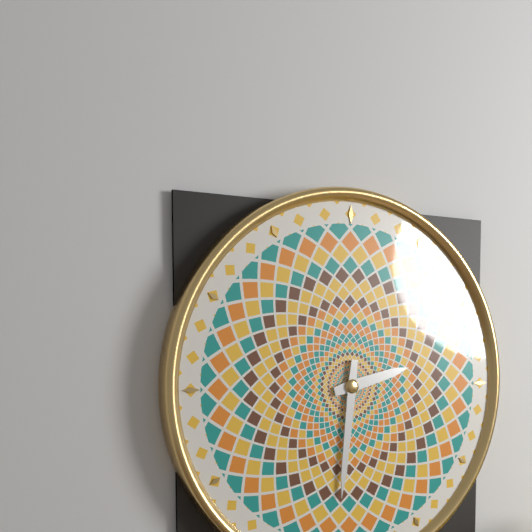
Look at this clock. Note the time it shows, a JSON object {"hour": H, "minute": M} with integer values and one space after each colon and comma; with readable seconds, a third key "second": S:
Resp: {"hour": 2, "minute": 31}
